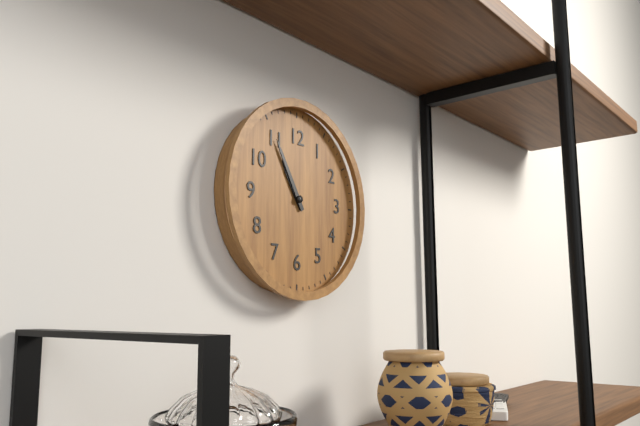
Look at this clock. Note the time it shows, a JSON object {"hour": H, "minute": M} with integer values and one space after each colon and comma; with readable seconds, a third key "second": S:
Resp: {"hour": 10, "minute": 55}
